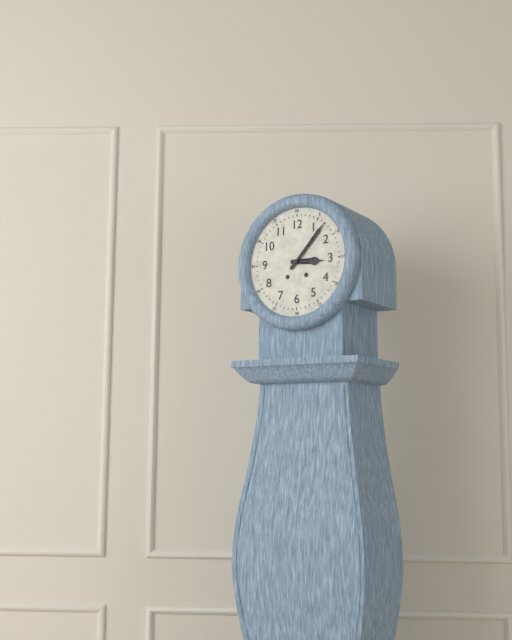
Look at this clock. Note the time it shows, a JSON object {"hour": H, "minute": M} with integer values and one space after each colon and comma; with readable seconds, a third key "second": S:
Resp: {"hour": 3, "minute": 7}
